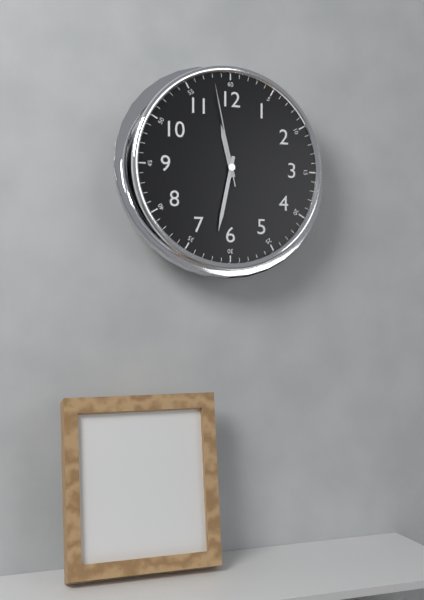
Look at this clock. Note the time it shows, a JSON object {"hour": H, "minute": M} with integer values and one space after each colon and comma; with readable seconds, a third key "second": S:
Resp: {"hour": 11, "minute": 32, "second": 58}
